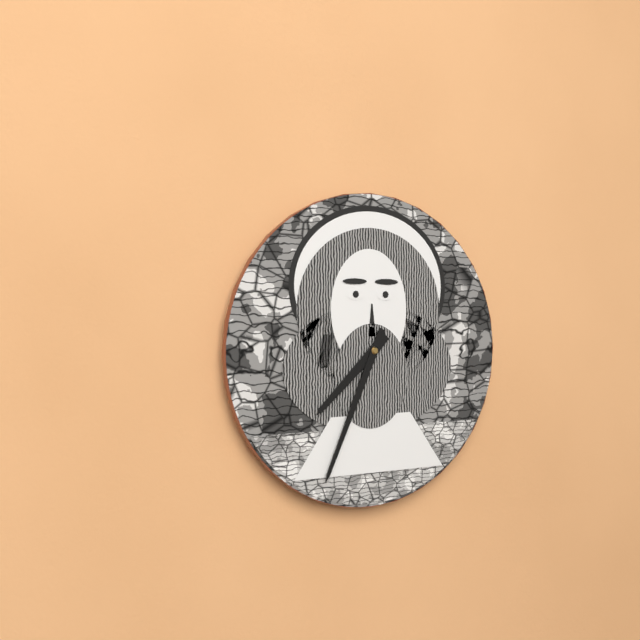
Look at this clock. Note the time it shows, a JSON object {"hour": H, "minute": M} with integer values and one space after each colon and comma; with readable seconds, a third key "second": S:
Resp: {"hour": 7, "minute": 34}
